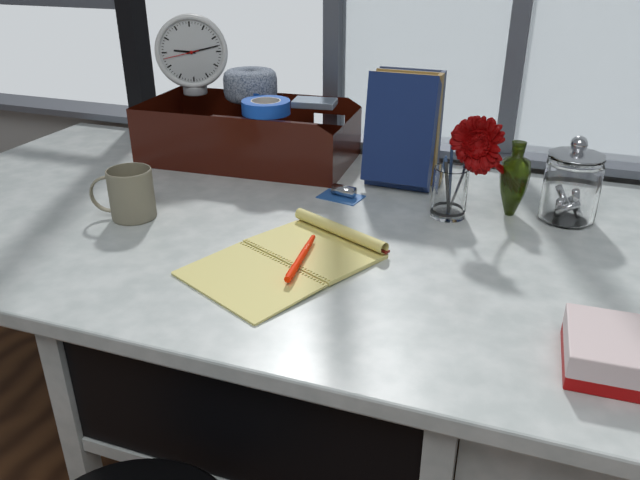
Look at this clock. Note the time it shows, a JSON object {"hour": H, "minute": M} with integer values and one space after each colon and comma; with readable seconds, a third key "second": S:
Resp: {"hour": 9, "minute": 13}
